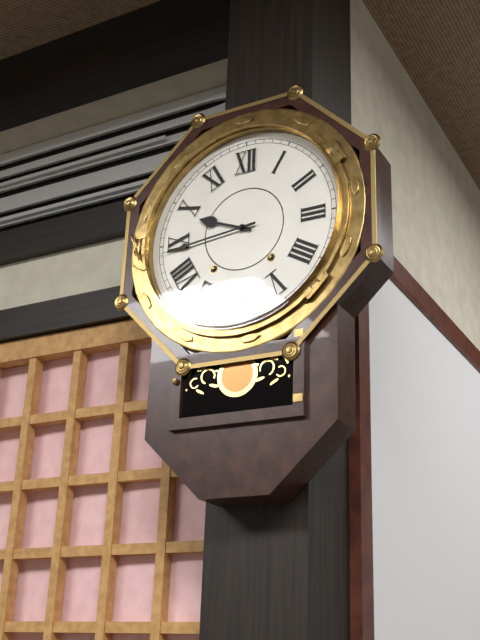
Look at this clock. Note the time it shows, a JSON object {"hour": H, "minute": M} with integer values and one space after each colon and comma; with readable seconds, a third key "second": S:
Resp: {"hour": 9, "minute": 44}
